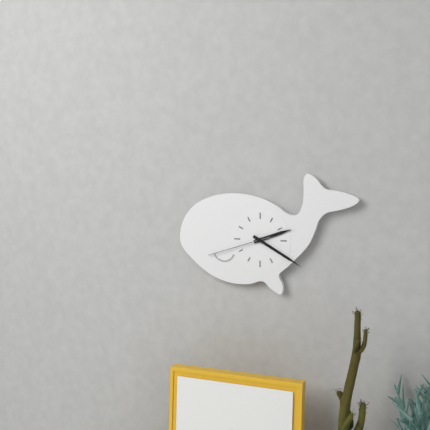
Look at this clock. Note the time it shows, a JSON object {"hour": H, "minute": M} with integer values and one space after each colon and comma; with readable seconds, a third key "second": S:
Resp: {"hour": 2, "minute": 20}
